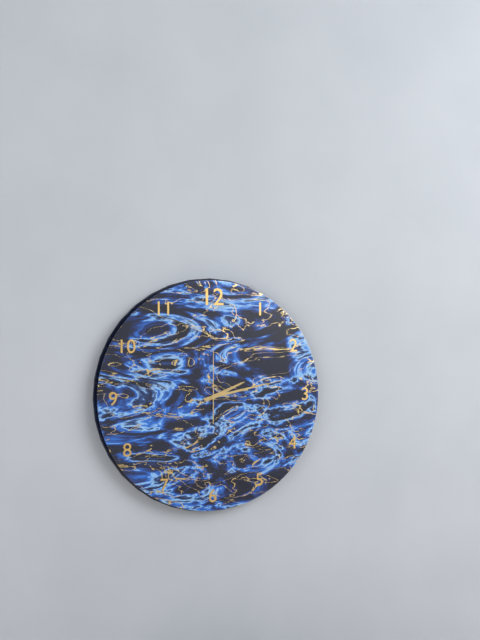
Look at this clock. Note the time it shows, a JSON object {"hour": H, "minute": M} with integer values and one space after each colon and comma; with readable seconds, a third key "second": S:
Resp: {"hour": 2, "minute": 13, "second": 0}
